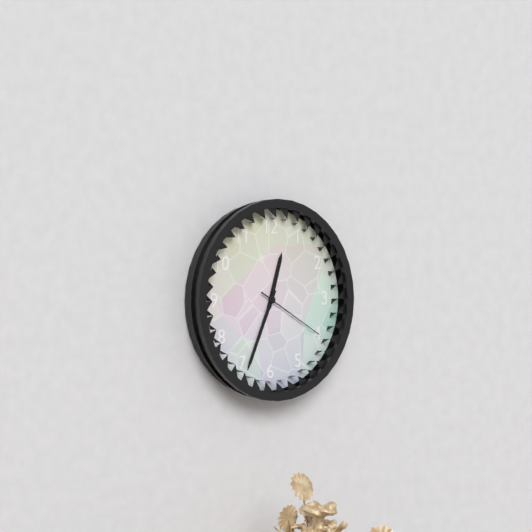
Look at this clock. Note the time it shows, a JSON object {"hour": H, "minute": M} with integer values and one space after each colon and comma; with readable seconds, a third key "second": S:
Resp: {"hour": 12, "minute": 34, "second": 20}
